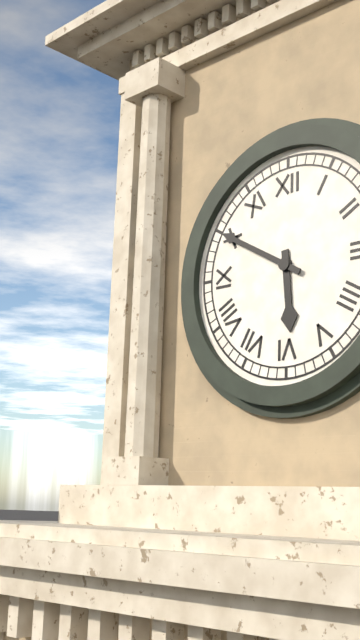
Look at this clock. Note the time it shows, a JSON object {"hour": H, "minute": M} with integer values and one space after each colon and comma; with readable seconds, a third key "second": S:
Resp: {"hour": 5, "minute": 50}
